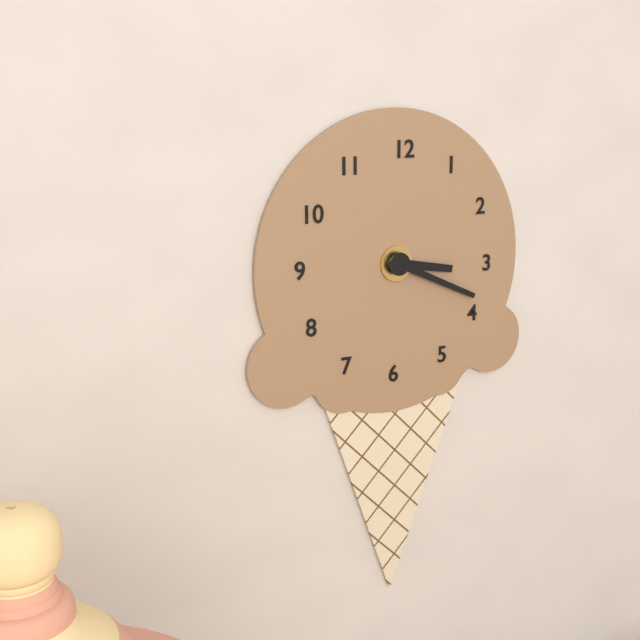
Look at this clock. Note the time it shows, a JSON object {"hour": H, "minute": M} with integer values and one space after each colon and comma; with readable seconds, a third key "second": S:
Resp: {"hour": 3, "minute": 19}
